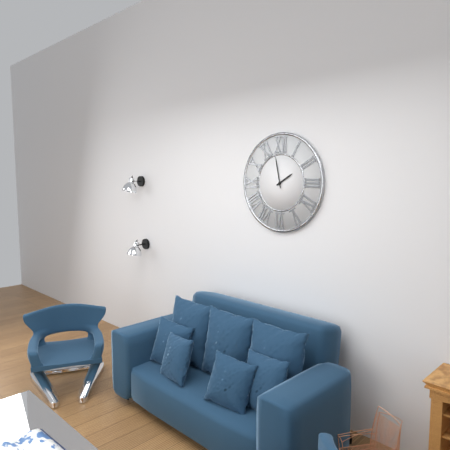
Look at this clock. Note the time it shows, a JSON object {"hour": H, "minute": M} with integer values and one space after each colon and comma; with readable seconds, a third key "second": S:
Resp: {"hour": 1, "minute": 58}
